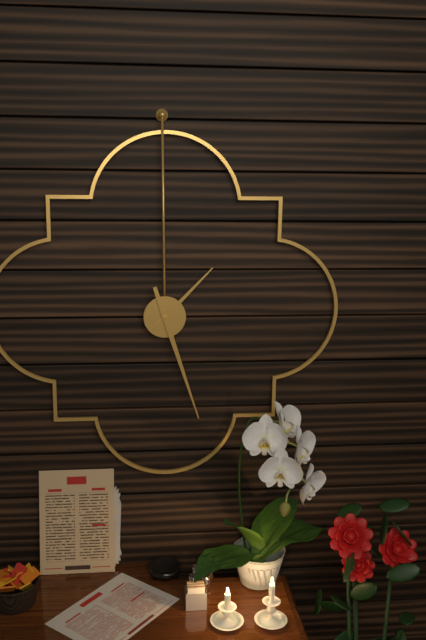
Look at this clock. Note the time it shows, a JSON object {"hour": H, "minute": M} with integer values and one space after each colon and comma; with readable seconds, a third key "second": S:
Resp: {"hour": 1, "minute": 27}
